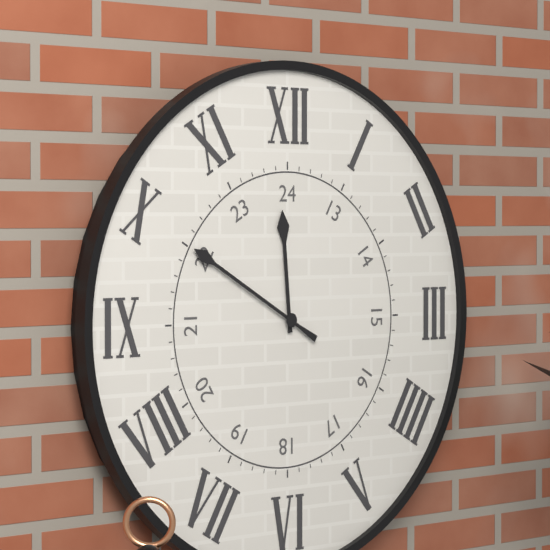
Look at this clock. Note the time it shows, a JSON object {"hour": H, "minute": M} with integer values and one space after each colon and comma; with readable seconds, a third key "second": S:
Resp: {"hour": 11, "minute": 50}
